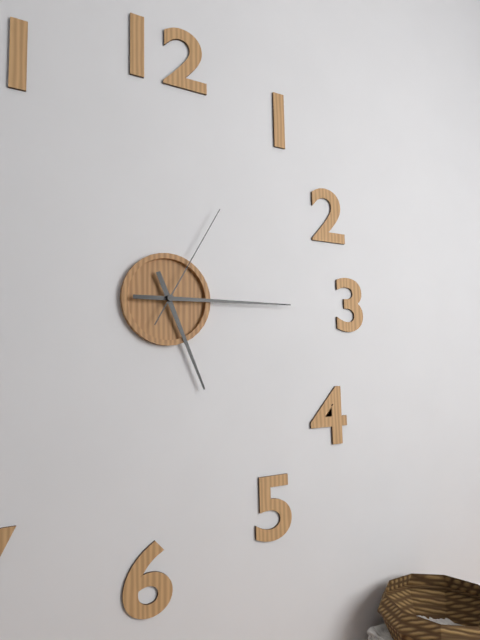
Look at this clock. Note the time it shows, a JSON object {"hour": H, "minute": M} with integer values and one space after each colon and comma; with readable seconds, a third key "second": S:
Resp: {"hour": 5, "minute": 15, "second": 5}
